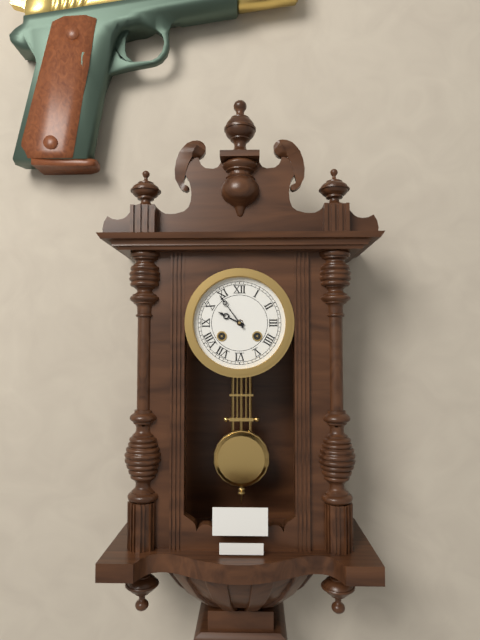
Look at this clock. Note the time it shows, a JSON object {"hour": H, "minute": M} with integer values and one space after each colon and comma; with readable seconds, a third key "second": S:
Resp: {"hour": 9, "minute": 54}
